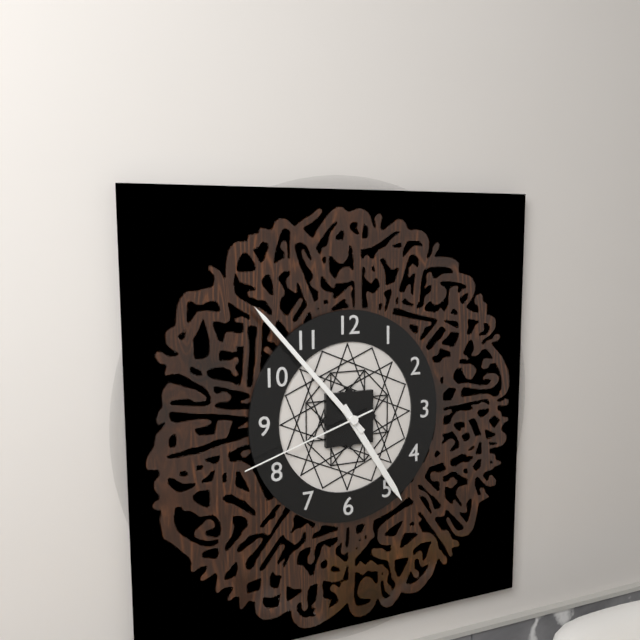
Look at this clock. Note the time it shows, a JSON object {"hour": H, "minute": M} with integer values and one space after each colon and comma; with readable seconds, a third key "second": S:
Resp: {"hour": 4, "minute": 53, "second": 42}
